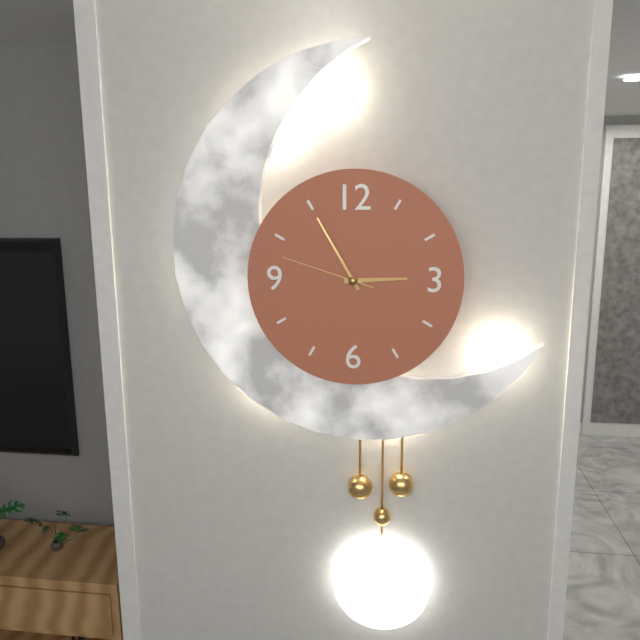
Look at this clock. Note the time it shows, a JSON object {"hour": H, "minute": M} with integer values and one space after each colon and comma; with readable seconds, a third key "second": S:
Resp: {"hour": 2, "minute": 55, "second": 48}
